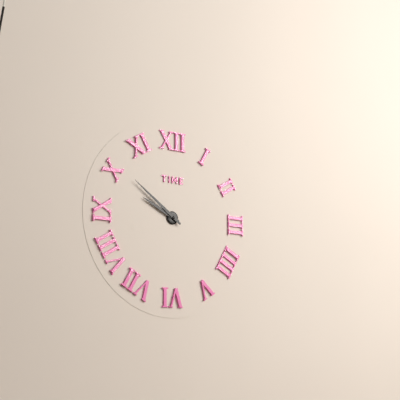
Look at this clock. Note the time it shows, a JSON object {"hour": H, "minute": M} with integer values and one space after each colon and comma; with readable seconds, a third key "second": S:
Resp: {"hour": 9, "minute": 51}
